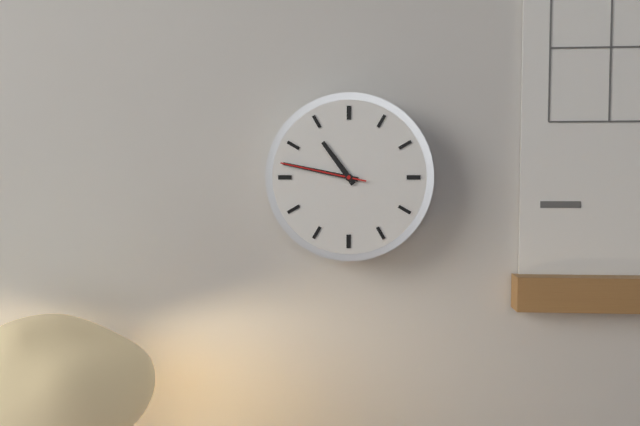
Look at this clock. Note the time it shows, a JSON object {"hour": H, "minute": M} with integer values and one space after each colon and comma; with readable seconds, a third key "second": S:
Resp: {"hour": 10, "minute": 47, "second": 47}
